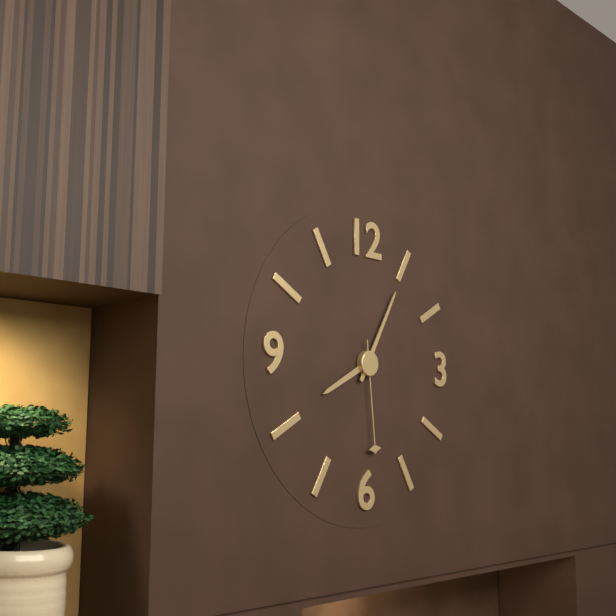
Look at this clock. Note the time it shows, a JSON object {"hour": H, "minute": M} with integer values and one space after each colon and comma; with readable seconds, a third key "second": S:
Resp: {"hour": 8, "minute": 5, "second": 29}
